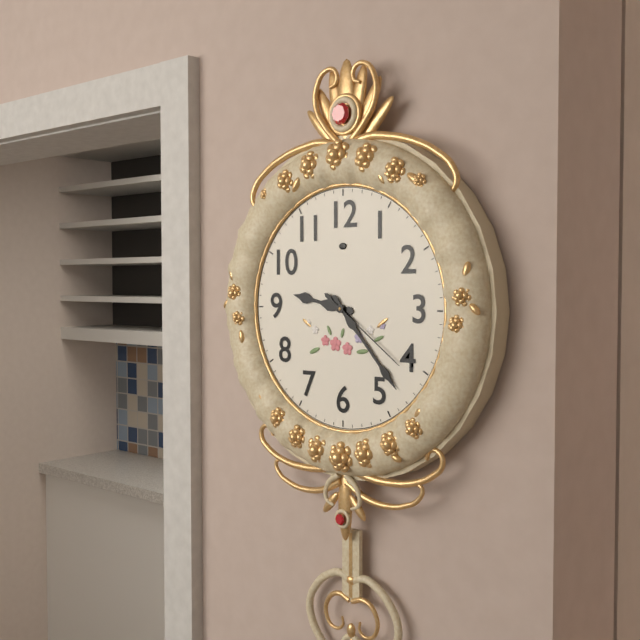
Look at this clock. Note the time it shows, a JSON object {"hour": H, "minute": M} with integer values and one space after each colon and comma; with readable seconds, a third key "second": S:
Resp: {"hour": 9, "minute": 23, "second": 21}
